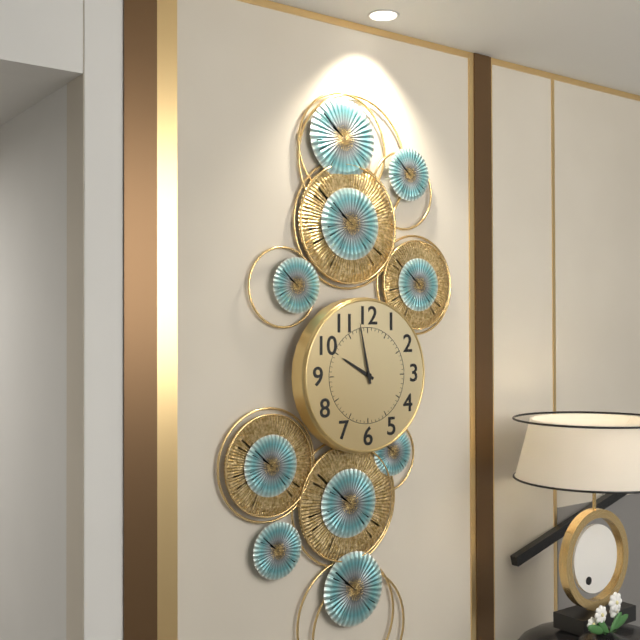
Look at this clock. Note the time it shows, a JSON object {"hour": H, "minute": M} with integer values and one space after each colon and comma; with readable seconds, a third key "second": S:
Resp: {"hour": 9, "minute": 58}
